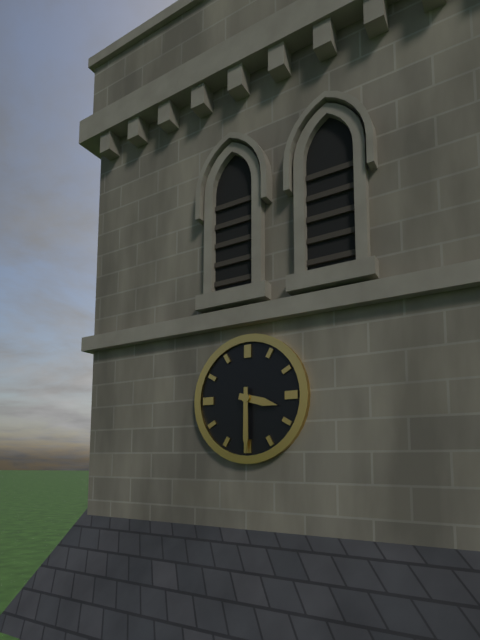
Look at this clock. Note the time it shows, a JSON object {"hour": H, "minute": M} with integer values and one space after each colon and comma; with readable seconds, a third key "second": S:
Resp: {"hour": 3, "minute": 30}
